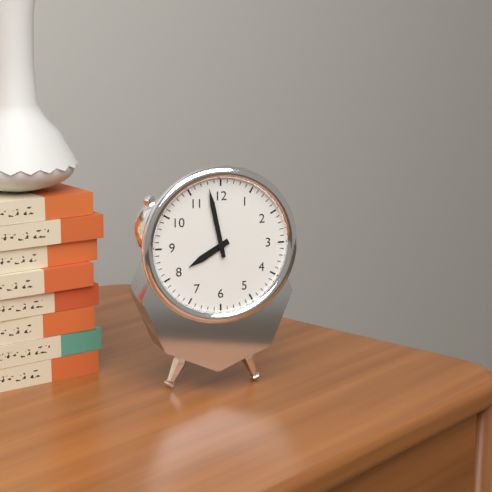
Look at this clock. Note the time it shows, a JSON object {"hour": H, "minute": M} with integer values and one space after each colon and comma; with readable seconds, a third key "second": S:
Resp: {"hour": 7, "minute": 58}
